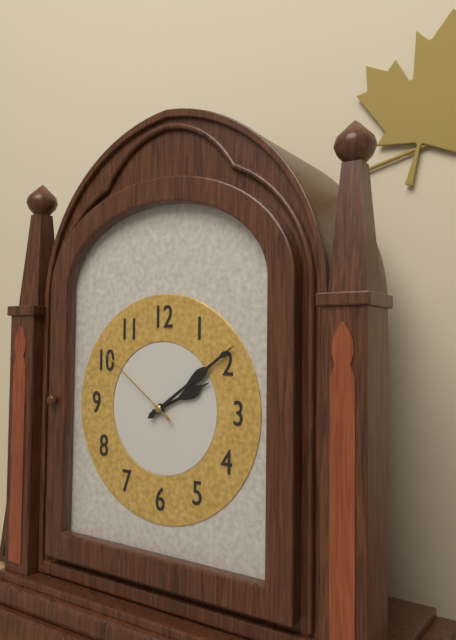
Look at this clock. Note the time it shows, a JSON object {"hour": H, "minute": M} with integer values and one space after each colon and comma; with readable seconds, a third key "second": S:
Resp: {"hour": 2, "minute": 9, "second": 51}
